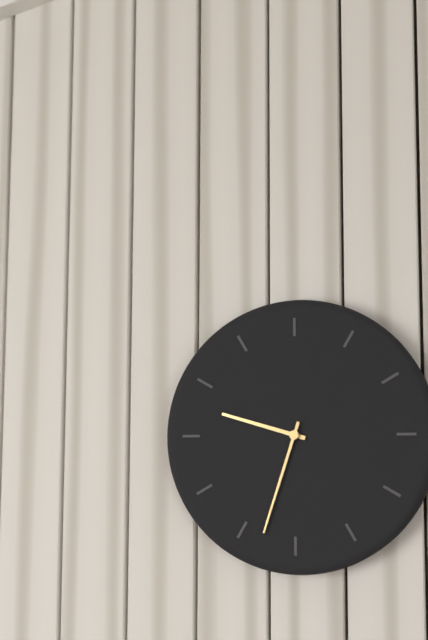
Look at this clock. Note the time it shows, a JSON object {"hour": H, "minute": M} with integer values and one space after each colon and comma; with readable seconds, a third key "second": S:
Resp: {"hour": 9, "minute": 33}
